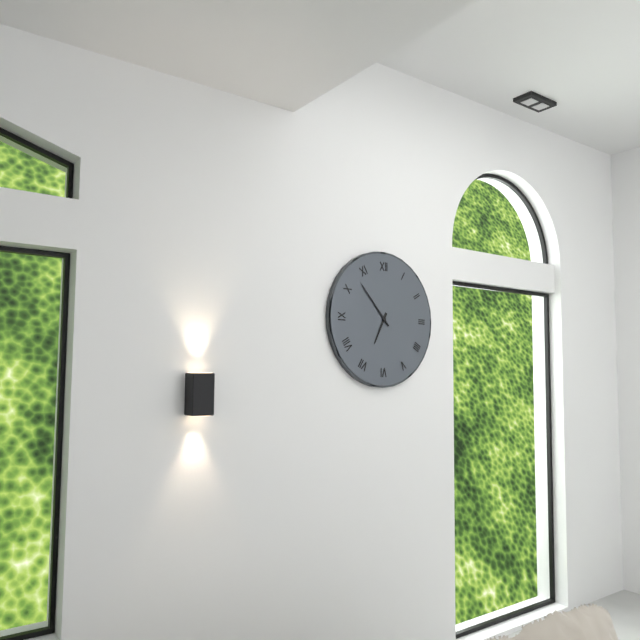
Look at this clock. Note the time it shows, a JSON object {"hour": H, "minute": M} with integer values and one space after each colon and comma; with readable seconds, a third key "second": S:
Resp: {"hour": 6, "minute": 53}
